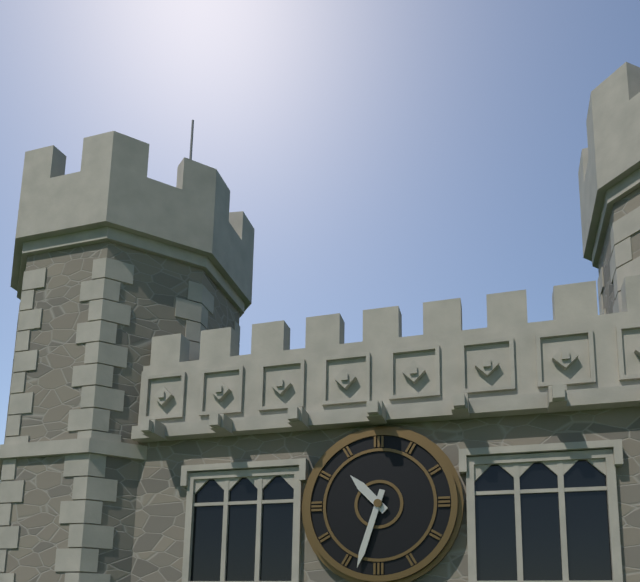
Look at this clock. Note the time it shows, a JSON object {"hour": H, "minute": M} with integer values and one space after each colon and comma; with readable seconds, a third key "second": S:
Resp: {"hour": 10, "minute": 33}
